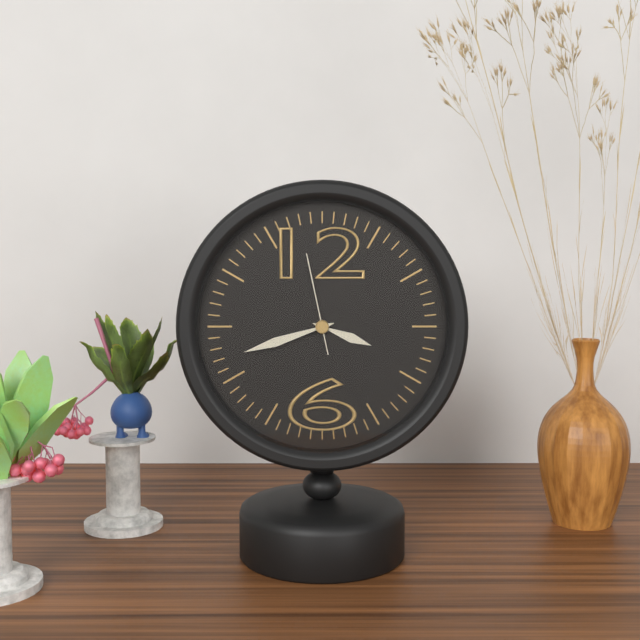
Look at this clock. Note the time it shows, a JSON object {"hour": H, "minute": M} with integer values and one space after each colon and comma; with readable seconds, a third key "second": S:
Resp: {"hour": 3, "minute": 42, "second": 58}
